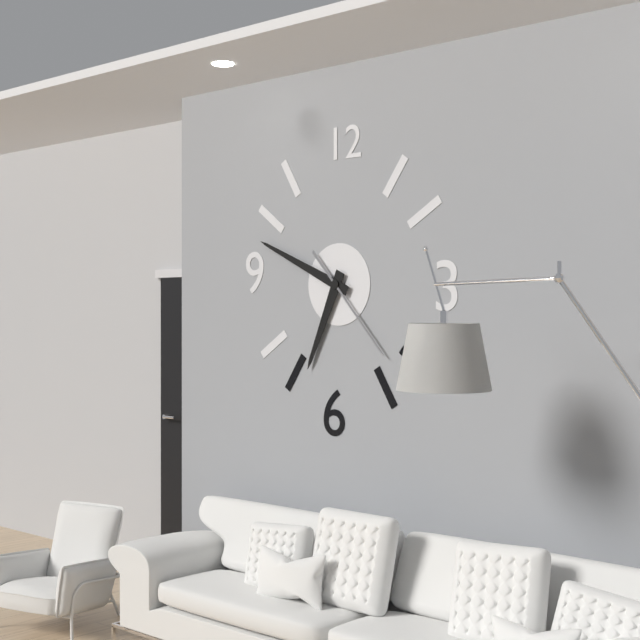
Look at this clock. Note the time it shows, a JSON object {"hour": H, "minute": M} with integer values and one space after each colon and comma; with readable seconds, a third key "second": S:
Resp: {"hour": 6, "minute": 49, "second": 23}
